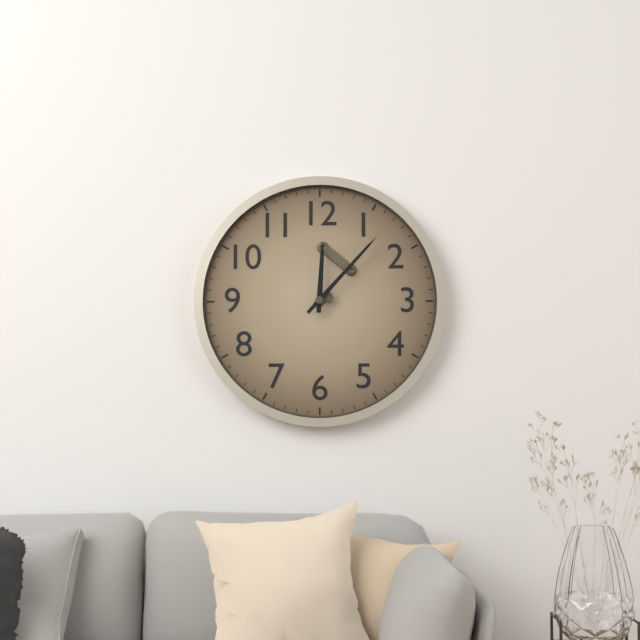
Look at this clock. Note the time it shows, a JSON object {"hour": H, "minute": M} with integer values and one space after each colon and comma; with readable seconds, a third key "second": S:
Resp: {"hour": 12, "minute": 7}
